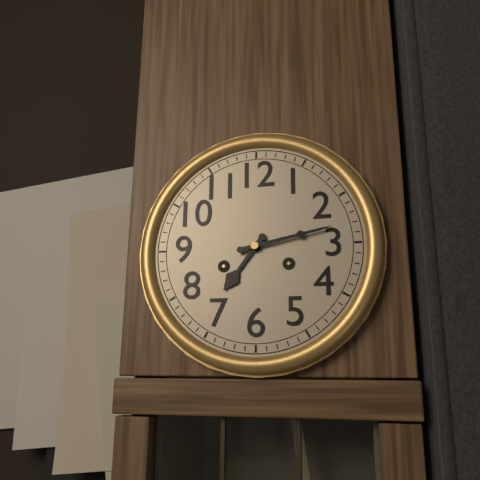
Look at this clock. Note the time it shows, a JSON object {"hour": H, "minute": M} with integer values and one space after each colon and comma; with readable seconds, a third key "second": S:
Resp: {"hour": 7, "minute": 13}
